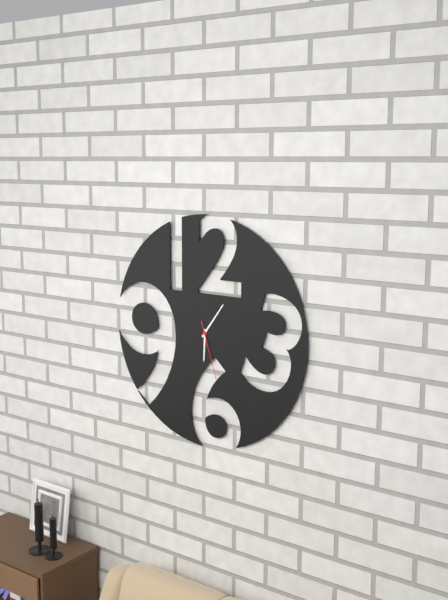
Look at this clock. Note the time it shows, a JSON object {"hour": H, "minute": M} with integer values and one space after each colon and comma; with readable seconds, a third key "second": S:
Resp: {"hour": 6, "minute": 6, "second": 27}
